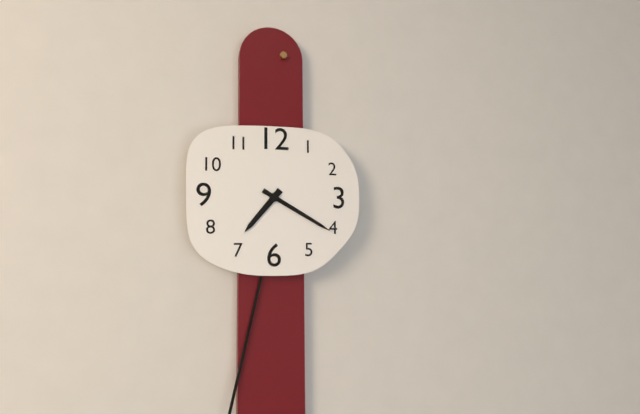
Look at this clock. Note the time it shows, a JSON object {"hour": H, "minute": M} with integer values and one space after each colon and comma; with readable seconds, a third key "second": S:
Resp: {"hour": 7, "minute": 20}
